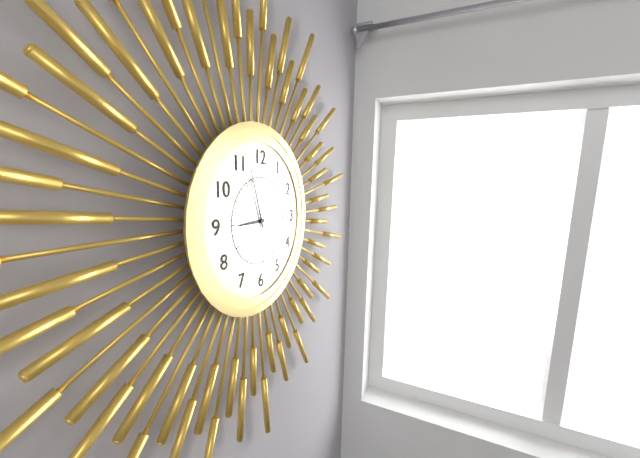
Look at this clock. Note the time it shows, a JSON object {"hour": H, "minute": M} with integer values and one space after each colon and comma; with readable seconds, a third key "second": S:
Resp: {"hour": 8, "minute": 57}
